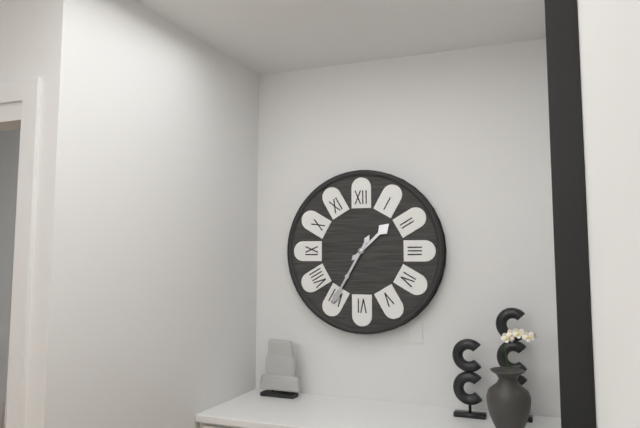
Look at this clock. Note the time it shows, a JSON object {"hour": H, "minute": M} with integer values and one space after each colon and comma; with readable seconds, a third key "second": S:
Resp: {"hour": 1, "minute": 35}
